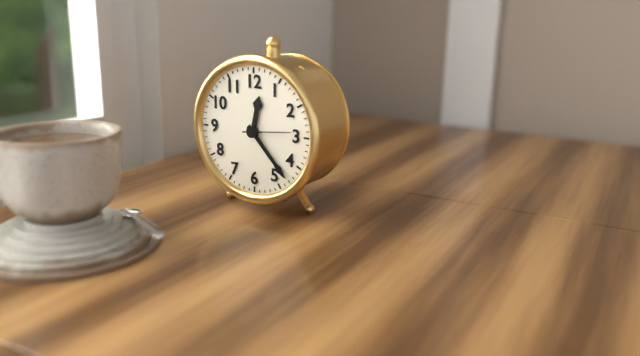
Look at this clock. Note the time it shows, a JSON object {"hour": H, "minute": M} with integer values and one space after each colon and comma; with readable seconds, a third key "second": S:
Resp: {"hour": 12, "minute": 23}
